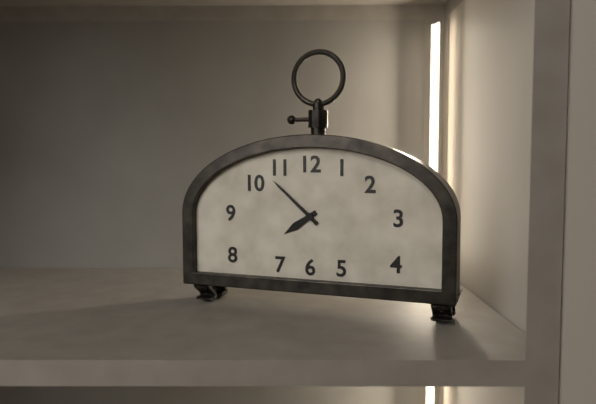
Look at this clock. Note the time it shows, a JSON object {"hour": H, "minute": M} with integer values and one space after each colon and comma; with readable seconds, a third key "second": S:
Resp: {"hour": 7, "minute": 52}
